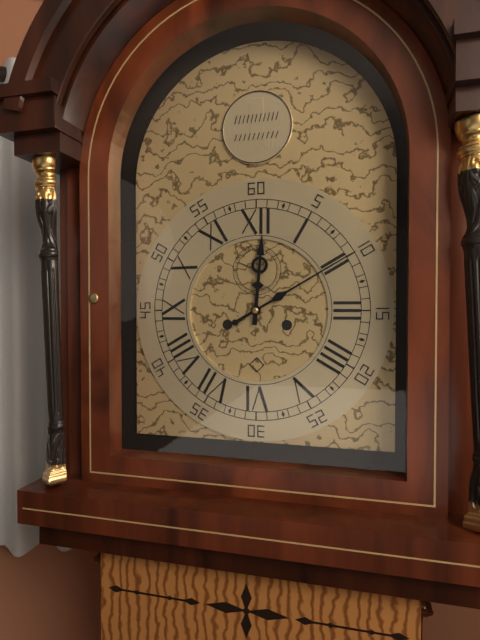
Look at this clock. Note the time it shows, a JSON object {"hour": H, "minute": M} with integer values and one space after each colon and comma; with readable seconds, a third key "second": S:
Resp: {"hour": 12, "minute": 10}
